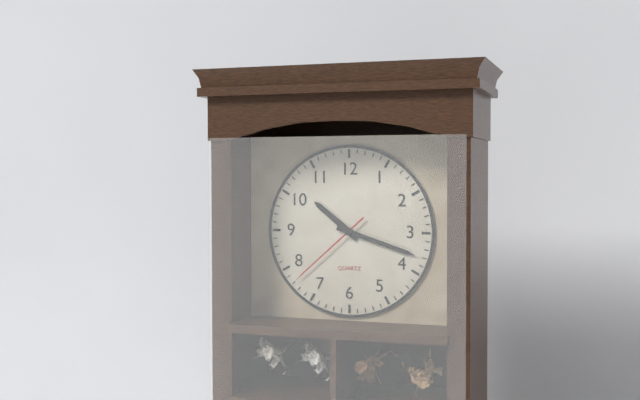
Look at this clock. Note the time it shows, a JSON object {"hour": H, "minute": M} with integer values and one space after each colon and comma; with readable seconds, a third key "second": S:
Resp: {"hour": 10, "minute": 18, "second": 38}
